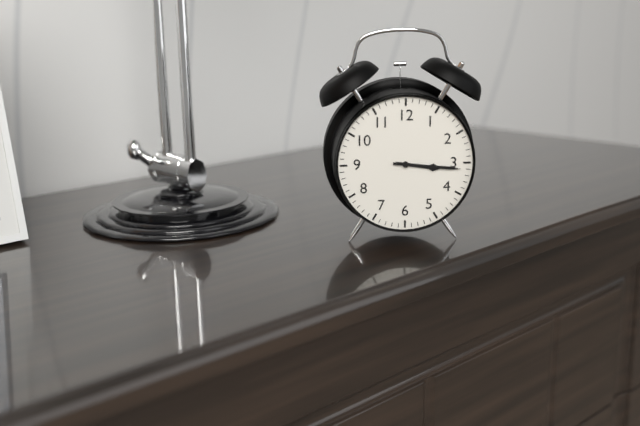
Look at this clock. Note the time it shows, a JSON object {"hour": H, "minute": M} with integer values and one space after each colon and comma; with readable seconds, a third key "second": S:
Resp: {"hour": 3, "minute": 16}
